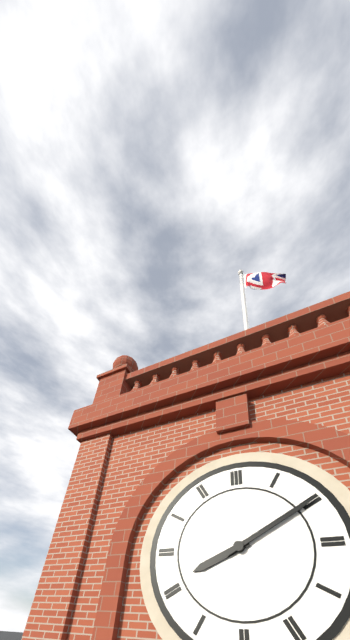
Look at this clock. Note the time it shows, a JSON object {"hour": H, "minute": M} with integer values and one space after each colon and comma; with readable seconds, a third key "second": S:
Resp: {"hour": 8, "minute": 10}
